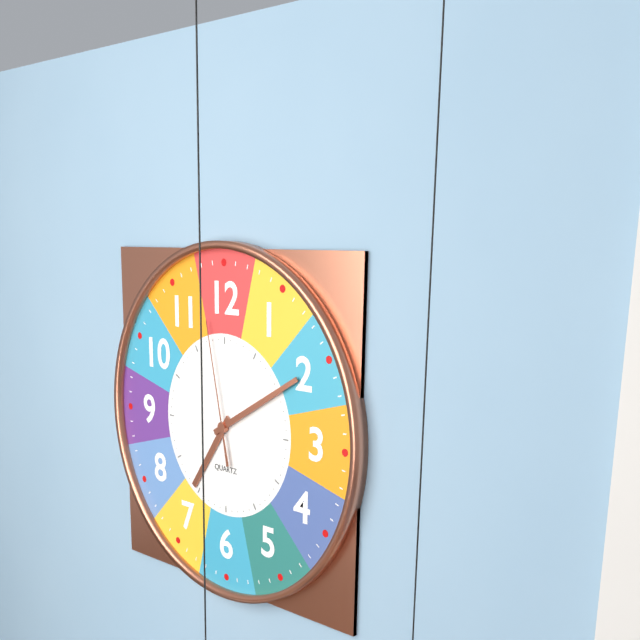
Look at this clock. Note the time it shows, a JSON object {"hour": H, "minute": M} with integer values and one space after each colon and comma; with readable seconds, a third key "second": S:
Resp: {"hour": 7, "minute": 10, "second": 58}
